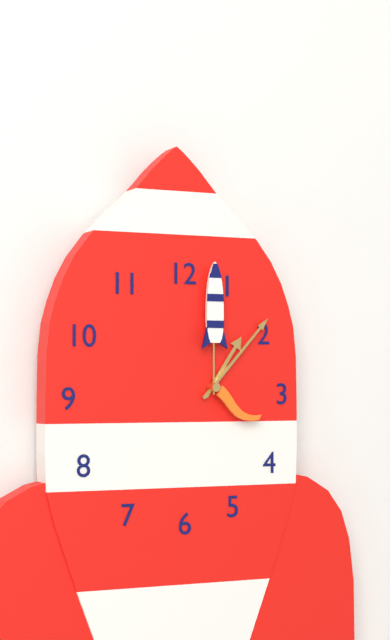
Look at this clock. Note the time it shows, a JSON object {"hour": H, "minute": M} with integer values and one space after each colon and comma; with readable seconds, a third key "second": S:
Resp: {"hour": 1, "minute": 7, "second": 0}
